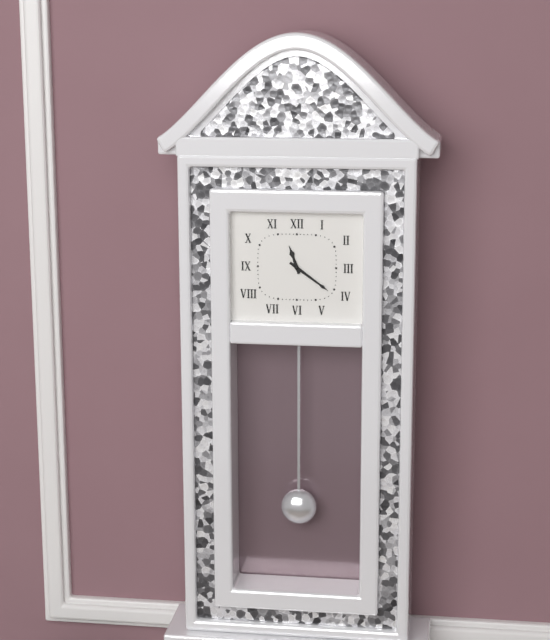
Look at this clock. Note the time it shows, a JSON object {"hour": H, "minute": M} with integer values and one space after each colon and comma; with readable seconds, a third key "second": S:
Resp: {"hour": 11, "minute": 21}
